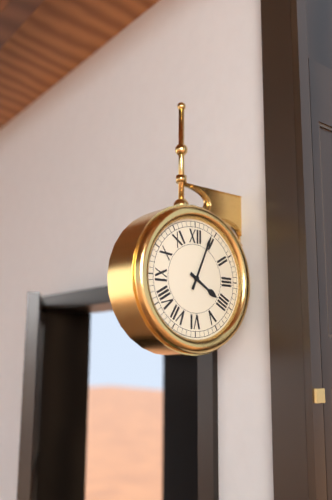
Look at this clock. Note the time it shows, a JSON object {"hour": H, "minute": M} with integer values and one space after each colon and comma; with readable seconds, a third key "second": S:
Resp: {"hour": 4, "minute": 4}
